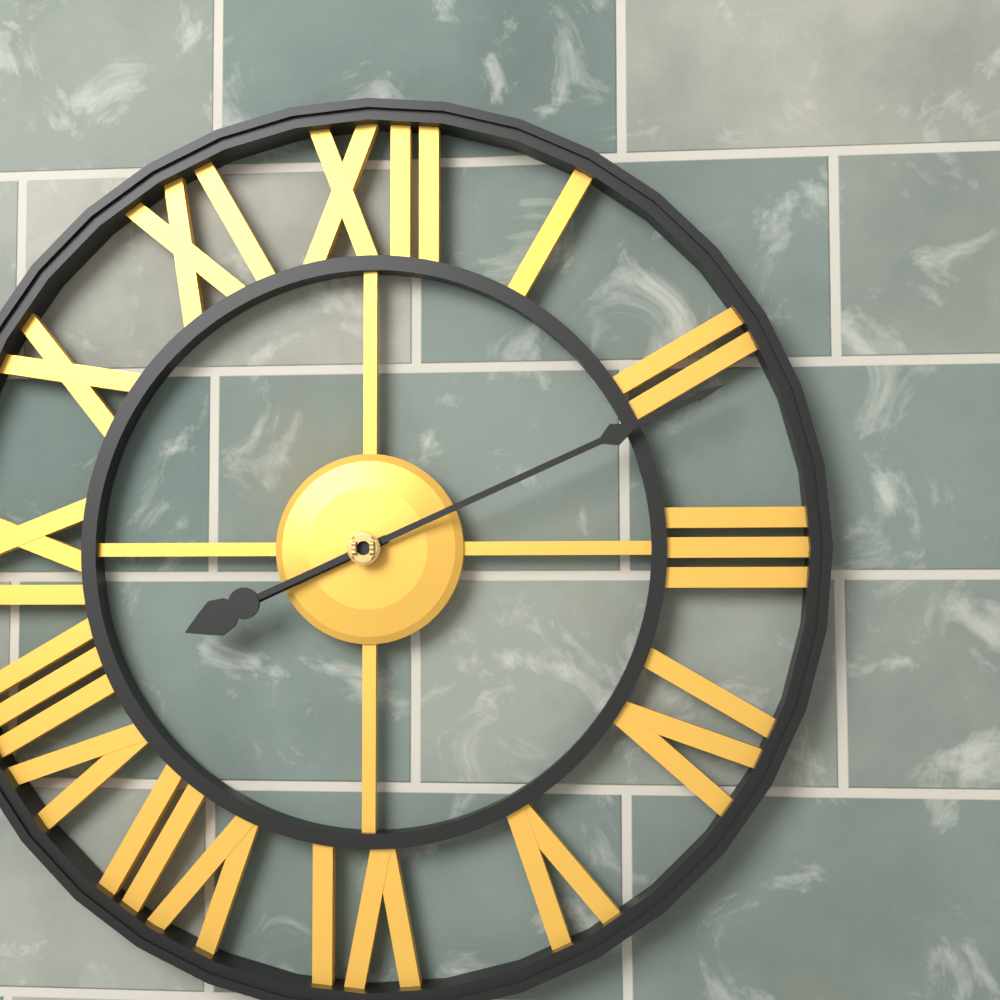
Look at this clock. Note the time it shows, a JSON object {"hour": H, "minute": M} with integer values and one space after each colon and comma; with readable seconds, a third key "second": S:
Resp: {"hour": 8, "minute": 11}
